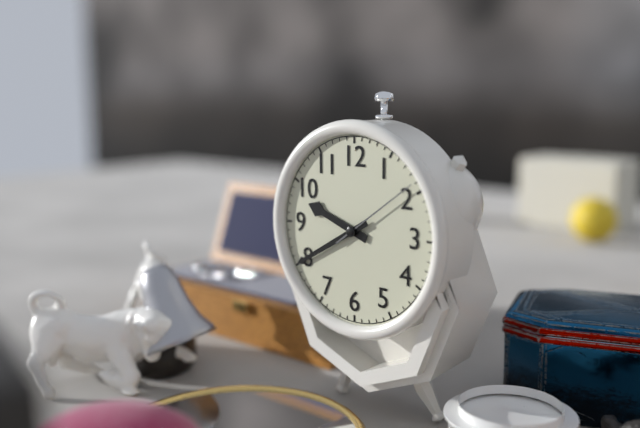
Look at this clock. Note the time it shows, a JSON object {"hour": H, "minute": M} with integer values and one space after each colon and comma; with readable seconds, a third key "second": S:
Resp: {"hour": 9, "minute": 40, "second": 9}
